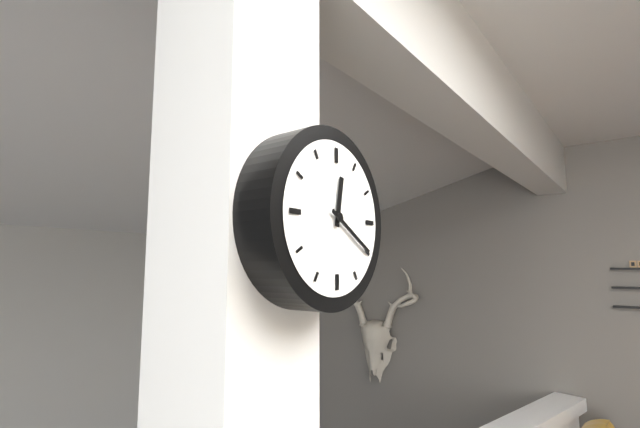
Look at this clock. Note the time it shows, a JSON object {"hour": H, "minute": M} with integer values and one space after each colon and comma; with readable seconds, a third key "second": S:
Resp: {"hour": 12, "minute": 20}
